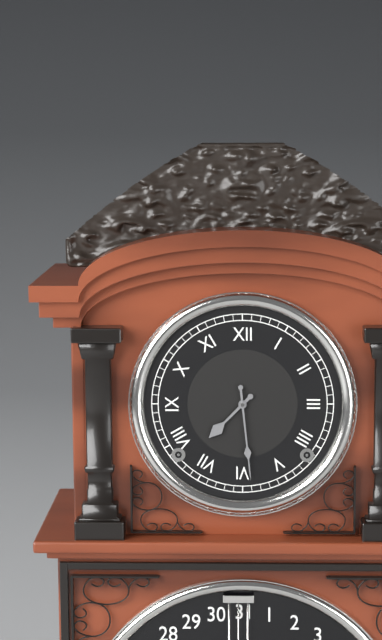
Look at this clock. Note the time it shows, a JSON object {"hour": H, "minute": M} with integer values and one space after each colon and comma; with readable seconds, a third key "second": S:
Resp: {"hour": 7, "minute": 29}
